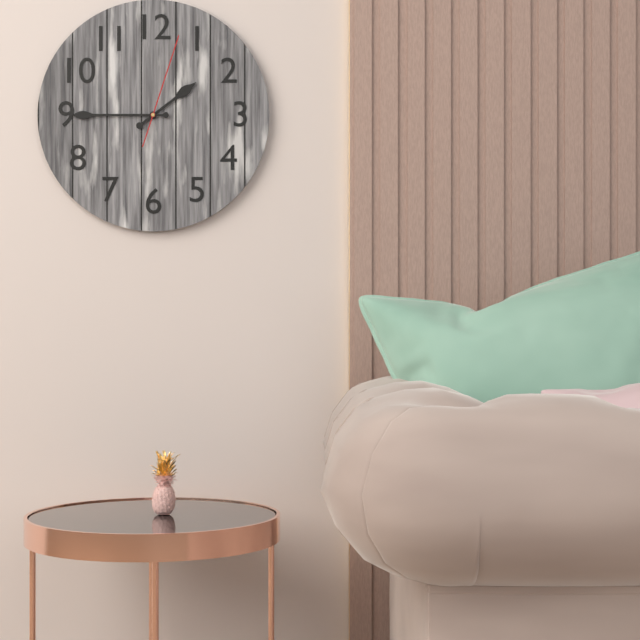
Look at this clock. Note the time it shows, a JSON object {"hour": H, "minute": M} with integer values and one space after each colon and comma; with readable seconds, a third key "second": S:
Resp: {"hour": 1, "minute": 45, "second": 3}
